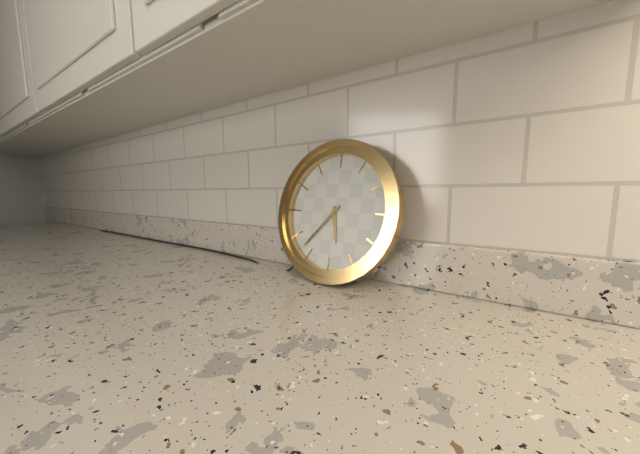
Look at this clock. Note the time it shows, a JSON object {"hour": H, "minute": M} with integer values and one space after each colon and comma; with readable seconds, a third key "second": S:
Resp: {"hour": 5, "minute": 37}
